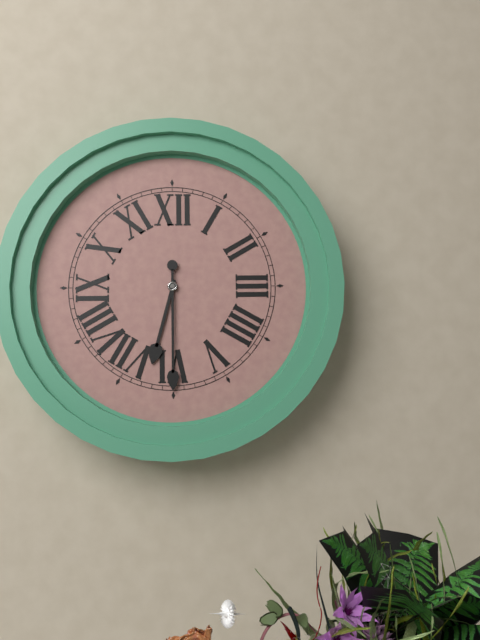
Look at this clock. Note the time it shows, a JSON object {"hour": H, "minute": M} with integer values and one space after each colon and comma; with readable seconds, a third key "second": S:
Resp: {"hour": 6, "minute": 30}
